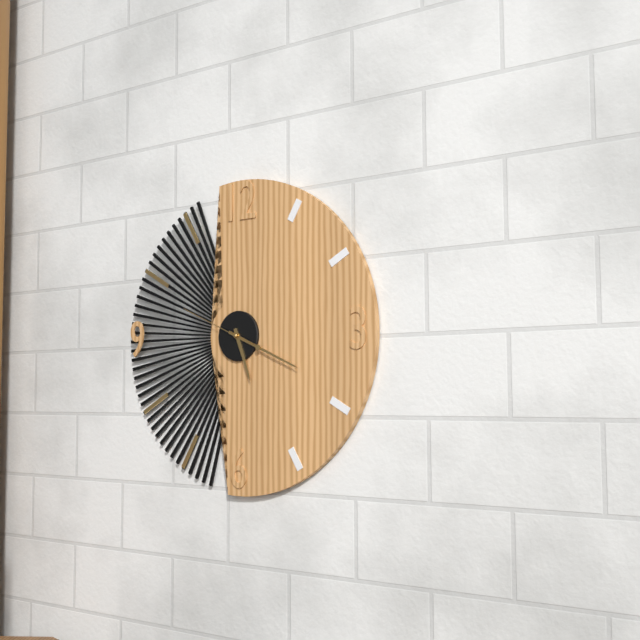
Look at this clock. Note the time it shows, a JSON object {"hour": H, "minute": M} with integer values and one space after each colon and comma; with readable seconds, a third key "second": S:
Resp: {"hour": 5, "minute": 19, "second": 49}
